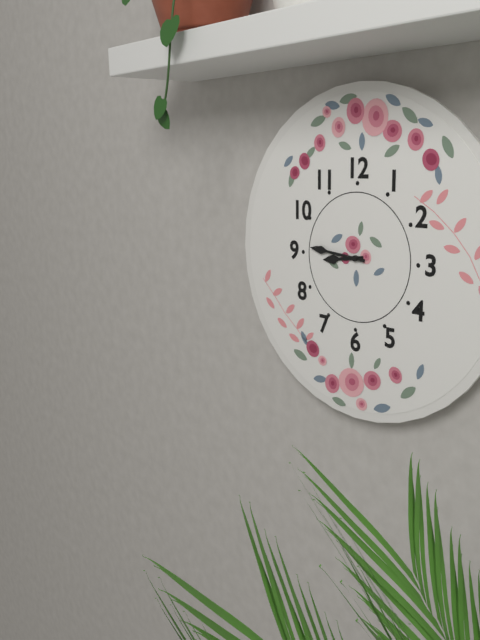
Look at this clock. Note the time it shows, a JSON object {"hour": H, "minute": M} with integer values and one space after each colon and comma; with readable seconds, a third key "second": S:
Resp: {"hour": 8, "minute": 46}
